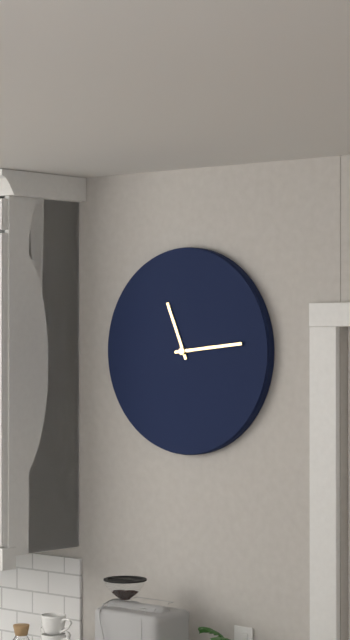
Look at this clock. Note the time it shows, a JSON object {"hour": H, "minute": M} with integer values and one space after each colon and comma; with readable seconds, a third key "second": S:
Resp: {"hour": 11, "minute": 14}
